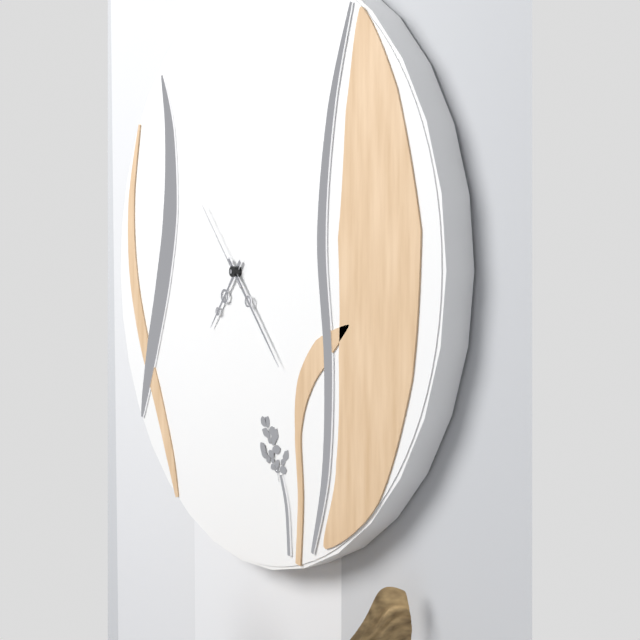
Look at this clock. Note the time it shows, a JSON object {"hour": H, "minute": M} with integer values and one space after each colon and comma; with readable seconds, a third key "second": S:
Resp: {"hour": 7, "minute": 23, "second": 53}
